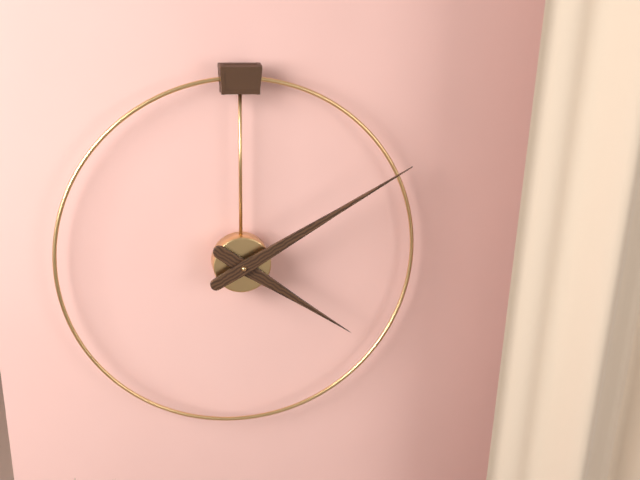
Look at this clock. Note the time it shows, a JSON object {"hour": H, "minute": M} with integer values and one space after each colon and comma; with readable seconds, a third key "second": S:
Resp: {"hour": 4, "minute": 10}
